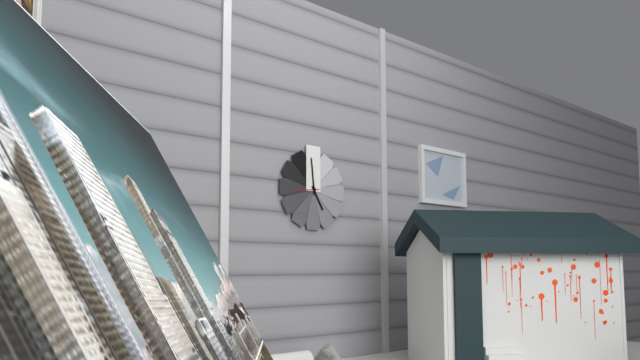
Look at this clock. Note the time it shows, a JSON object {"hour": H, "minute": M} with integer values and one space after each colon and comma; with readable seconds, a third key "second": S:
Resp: {"hour": 4, "minute": 59}
